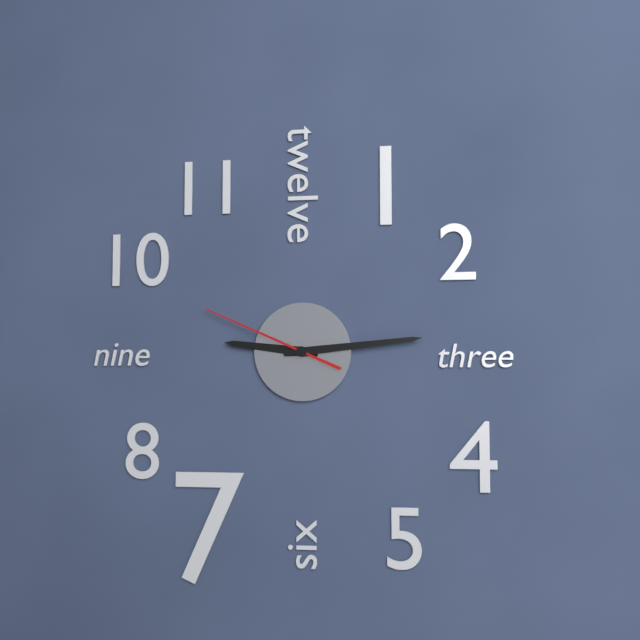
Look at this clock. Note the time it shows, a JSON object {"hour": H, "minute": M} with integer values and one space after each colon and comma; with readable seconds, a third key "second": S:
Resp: {"hour": 9, "minute": 14, "second": 49}
